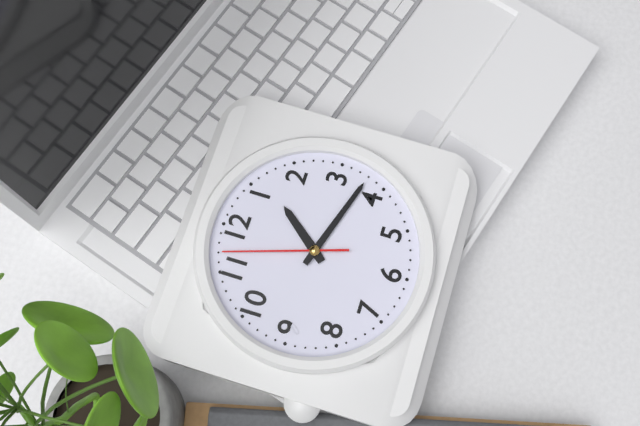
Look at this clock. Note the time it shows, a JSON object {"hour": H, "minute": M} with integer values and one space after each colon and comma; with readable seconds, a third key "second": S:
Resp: {"hour": 1, "minute": 18, "second": 57}
